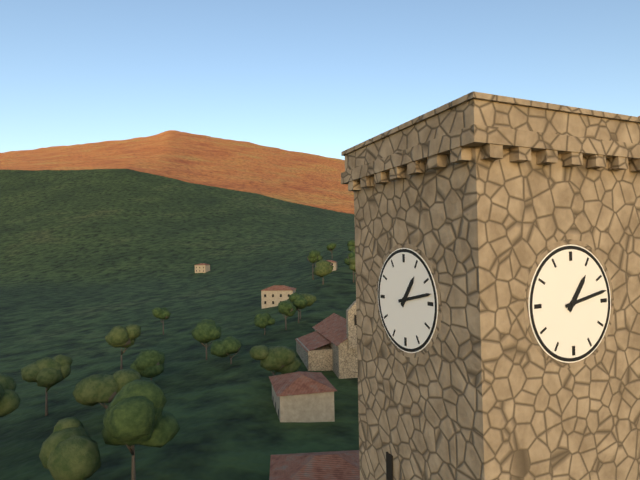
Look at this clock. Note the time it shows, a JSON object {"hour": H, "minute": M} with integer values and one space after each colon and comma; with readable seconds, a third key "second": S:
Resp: {"hour": 1, "minute": 13}
